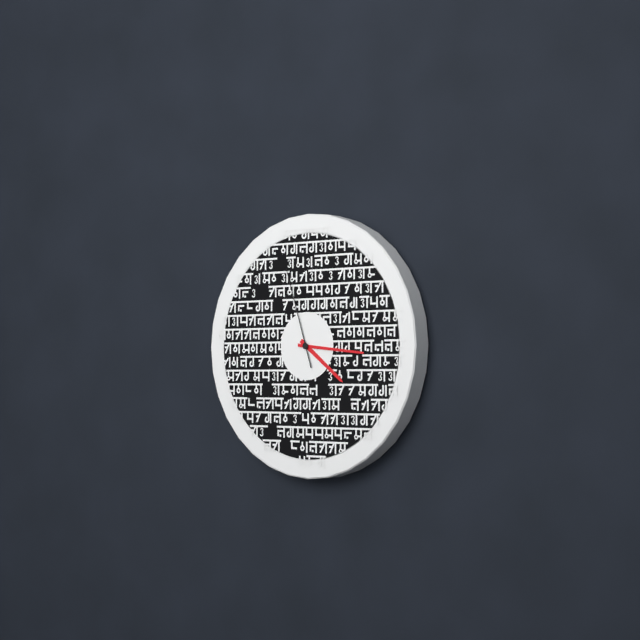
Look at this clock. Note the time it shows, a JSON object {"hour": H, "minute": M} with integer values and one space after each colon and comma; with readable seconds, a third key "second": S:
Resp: {"hour": 4, "minute": 16, "second": 57}
